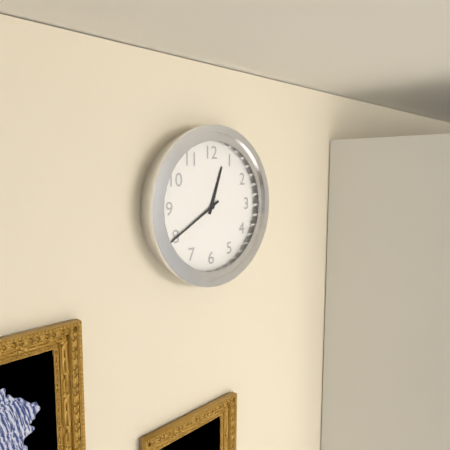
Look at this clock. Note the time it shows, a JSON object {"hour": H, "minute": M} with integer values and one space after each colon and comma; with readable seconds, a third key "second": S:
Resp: {"hour": 12, "minute": 40}
